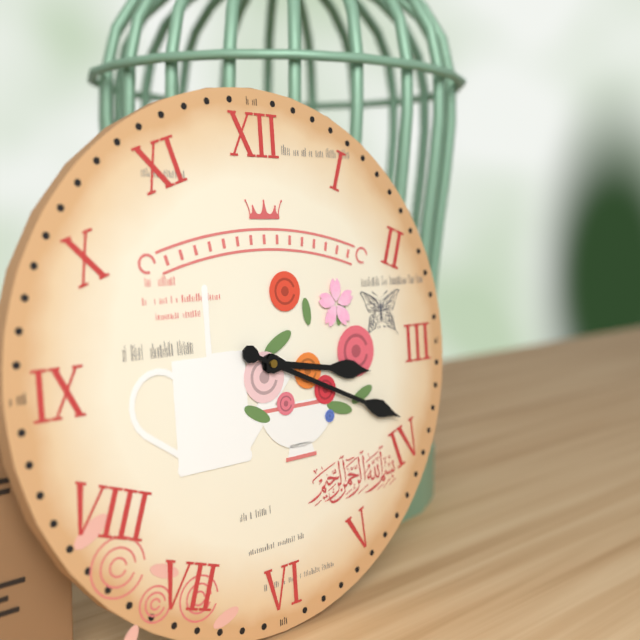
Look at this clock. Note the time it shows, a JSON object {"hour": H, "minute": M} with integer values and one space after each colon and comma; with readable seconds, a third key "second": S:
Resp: {"hour": 3, "minute": 19}
